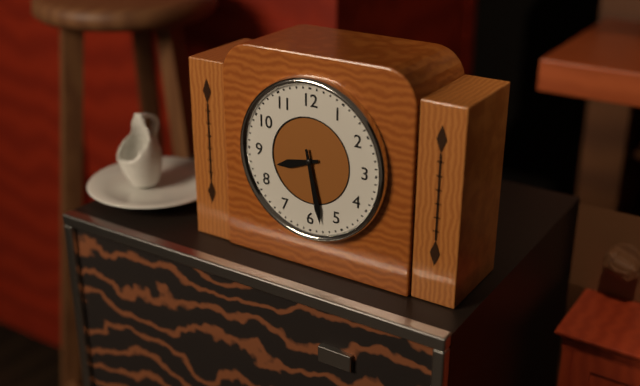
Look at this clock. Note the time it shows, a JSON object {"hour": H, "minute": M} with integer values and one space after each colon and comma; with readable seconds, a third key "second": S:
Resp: {"hour": 8, "minute": 28}
